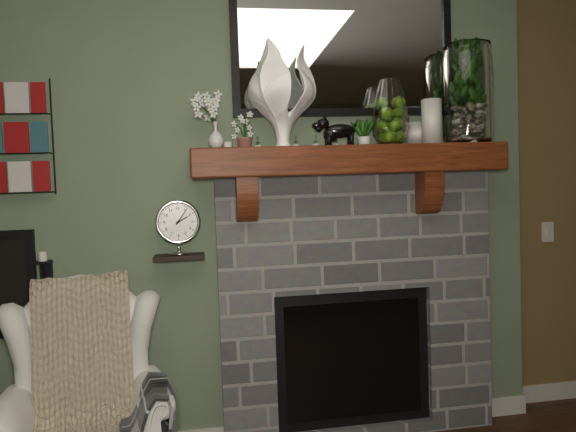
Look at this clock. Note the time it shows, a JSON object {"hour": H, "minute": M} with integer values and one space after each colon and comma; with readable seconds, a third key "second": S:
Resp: {"hour": 2, "minute": 6}
